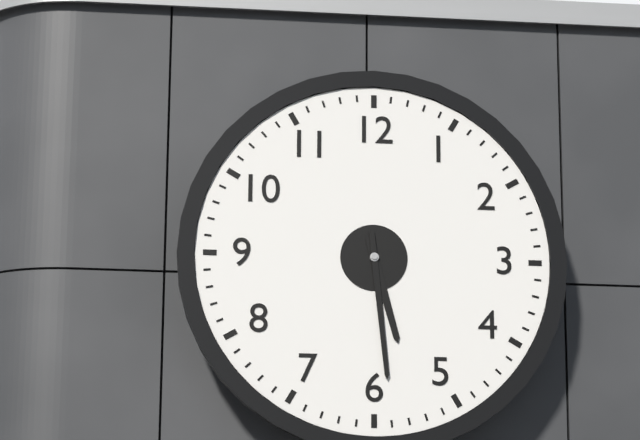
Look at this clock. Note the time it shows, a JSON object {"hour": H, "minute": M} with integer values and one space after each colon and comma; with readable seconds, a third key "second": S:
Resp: {"hour": 5, "minute": 29}
